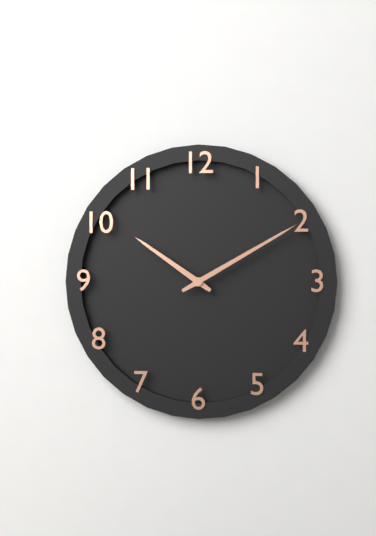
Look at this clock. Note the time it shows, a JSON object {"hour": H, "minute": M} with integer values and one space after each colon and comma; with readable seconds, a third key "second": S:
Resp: {"hour": 10, "minute": 10}
